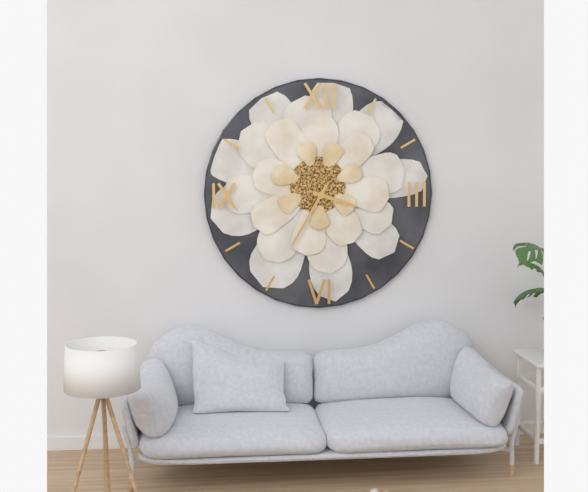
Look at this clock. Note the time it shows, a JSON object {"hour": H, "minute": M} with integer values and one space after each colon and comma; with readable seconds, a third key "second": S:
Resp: {"hour": 3, "minute": 35}
